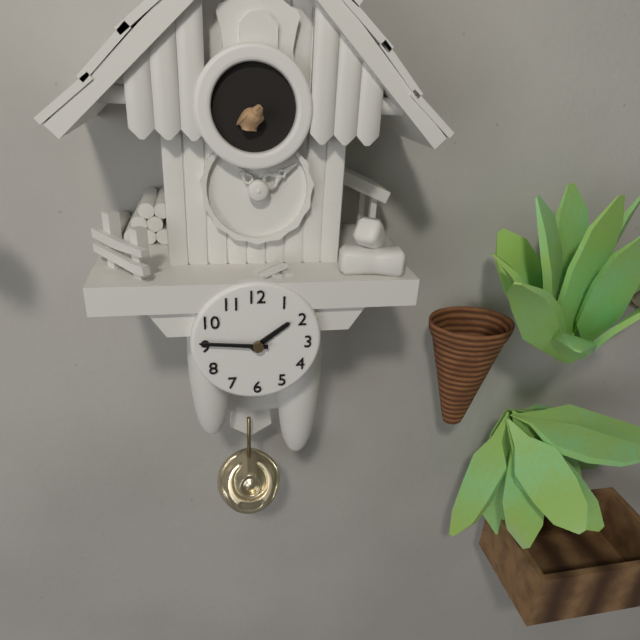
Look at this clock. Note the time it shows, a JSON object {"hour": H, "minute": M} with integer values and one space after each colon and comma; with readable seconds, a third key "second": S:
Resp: {"hour": 1, "minute": 46}
